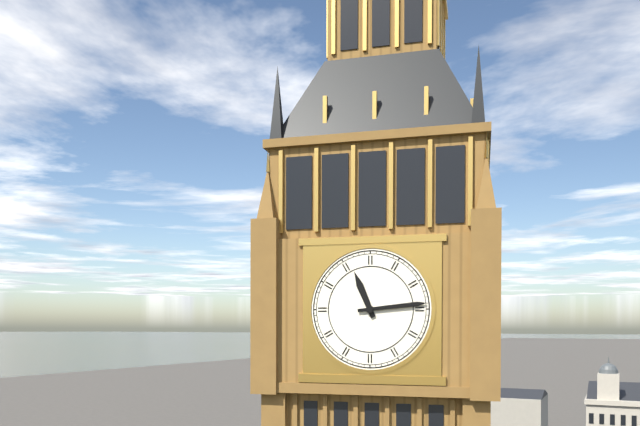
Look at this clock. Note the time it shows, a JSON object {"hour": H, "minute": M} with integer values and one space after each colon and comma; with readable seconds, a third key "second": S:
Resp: {"hour": 11, "minute": 14}
